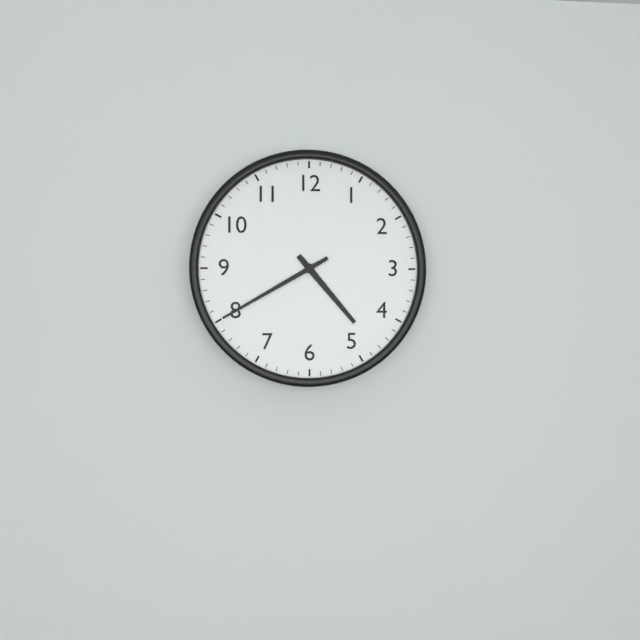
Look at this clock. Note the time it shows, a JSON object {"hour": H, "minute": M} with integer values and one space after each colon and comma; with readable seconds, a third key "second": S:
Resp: {"hour": 4, "minute": 40}
